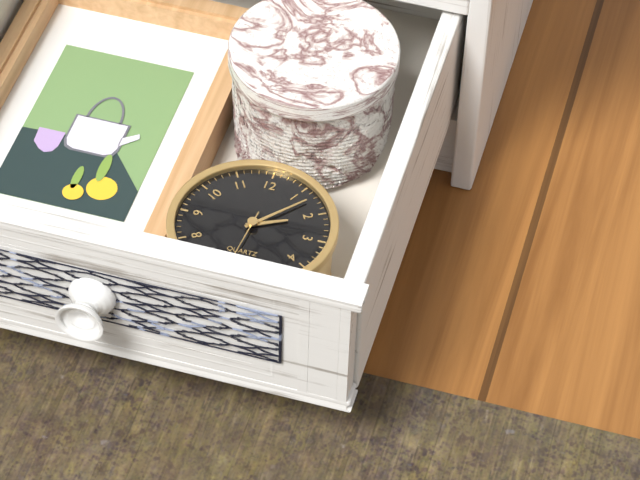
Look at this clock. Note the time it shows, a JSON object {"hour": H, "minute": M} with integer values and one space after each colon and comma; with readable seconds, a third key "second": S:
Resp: {"hour": 2, "minute": 7}
